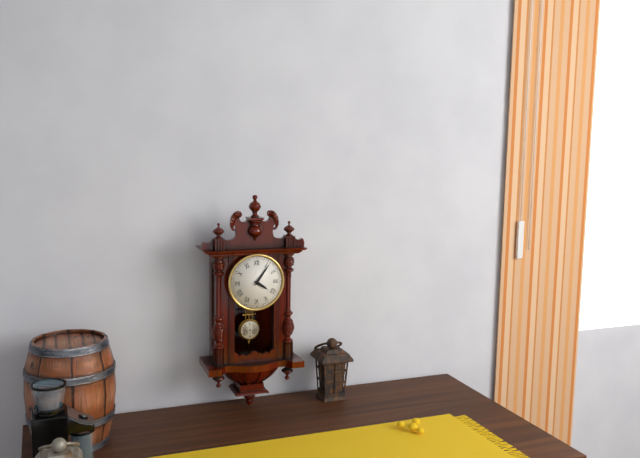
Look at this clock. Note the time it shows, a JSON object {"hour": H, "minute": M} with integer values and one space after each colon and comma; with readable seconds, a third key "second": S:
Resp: {"hour": 4, "minute": 6}
